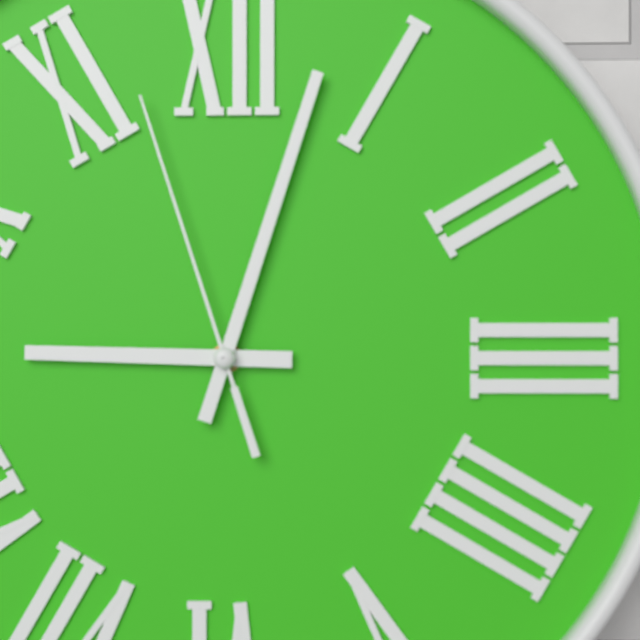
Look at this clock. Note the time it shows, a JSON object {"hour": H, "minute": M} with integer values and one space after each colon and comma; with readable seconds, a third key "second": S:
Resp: {"hour": 9, "minute": 3, "second": 57}
